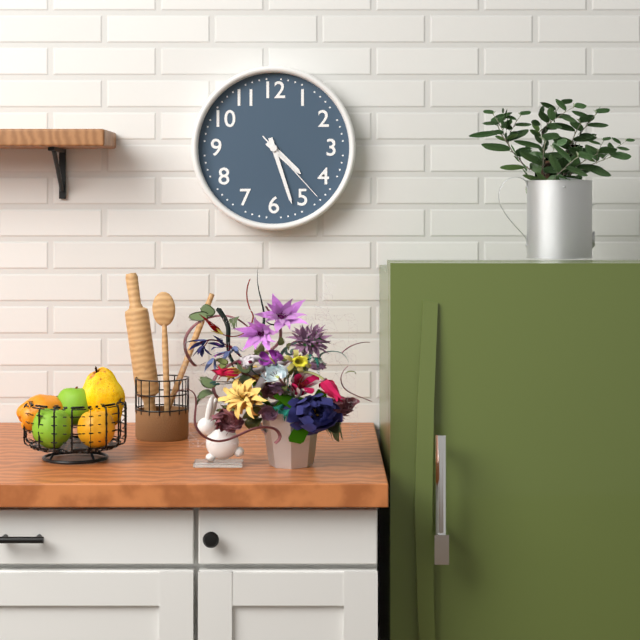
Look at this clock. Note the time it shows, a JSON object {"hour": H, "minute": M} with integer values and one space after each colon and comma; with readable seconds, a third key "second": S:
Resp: {"hour": 4, "minute": 27, "second": 23}
